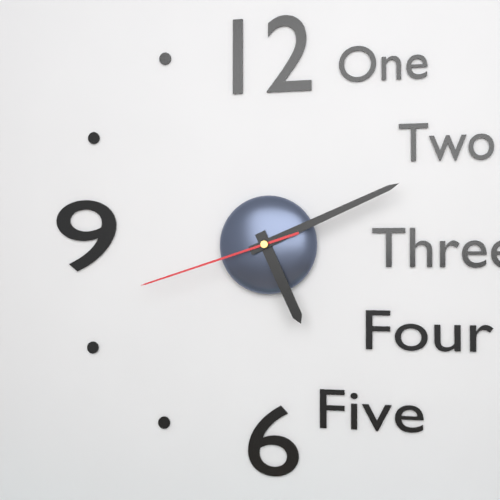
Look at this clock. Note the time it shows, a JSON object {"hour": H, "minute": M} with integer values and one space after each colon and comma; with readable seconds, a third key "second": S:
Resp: {"hour": 5, "minute": 11, "second": 42}
